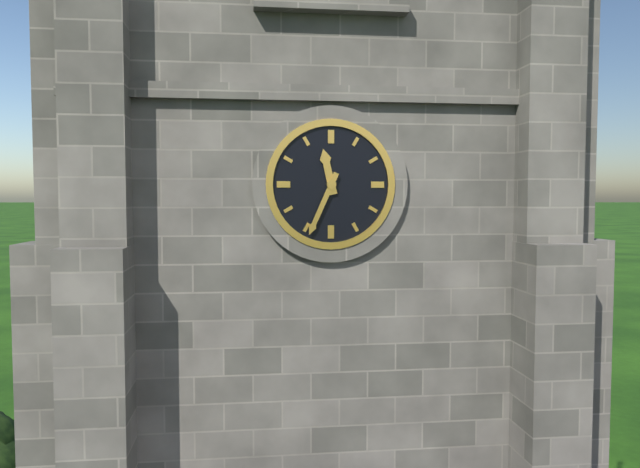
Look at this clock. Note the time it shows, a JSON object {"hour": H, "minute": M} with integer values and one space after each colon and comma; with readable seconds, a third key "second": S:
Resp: {"hour": 11, "minute": 34}
